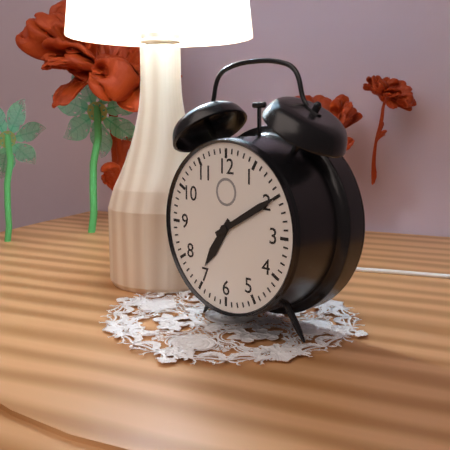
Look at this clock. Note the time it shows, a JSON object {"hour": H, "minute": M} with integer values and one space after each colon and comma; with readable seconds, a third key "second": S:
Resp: {"hour": 7, "minute": 10}
